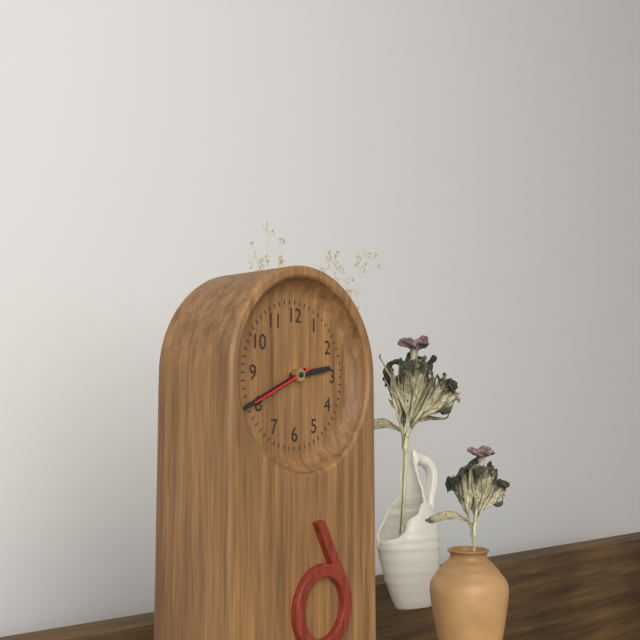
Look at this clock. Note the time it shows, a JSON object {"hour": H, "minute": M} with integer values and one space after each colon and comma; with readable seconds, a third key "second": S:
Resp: {"hour": 2, "minute": 41, "second": 41}
